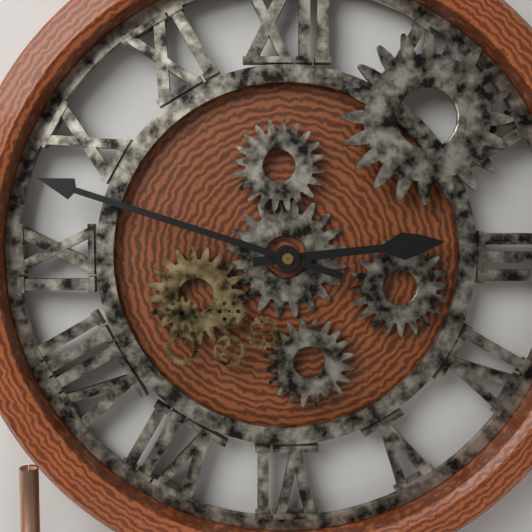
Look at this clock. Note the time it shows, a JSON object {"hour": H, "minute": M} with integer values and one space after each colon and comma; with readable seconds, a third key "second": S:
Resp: {"hour": 2, "minute": 48}
